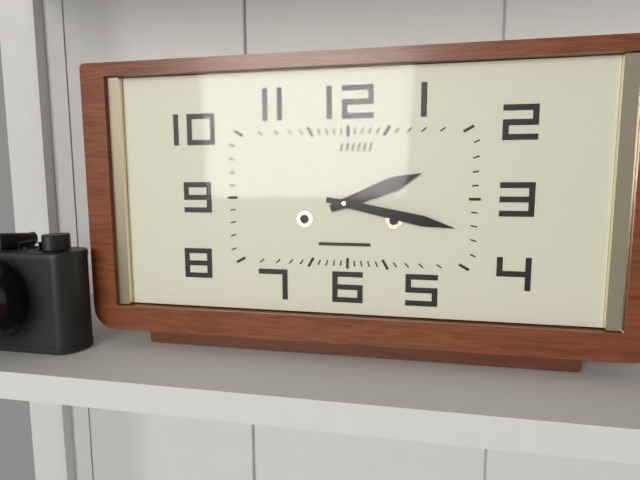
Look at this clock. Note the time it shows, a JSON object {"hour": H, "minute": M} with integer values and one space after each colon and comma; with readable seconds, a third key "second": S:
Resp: {"hour": 2, "minute": 17}
